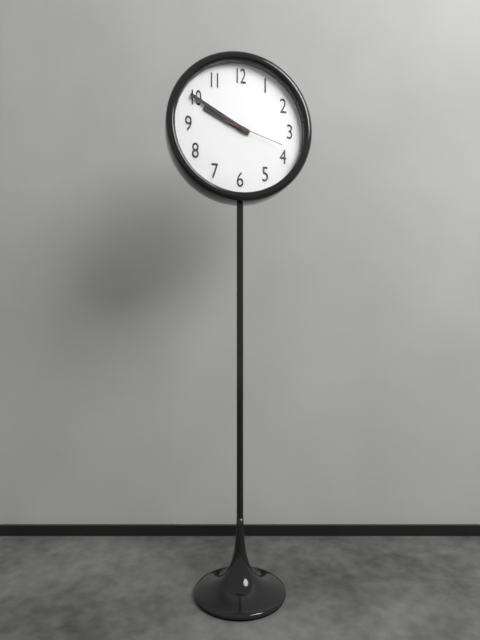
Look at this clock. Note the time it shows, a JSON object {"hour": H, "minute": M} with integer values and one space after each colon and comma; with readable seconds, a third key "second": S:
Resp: {"hour": 9, "minute": 50, "second": 18}
